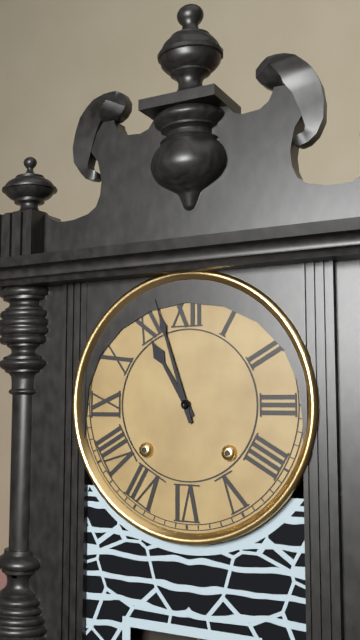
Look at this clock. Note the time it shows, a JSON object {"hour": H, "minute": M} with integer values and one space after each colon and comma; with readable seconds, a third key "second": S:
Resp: {"hour": 10, "minute": 57}
